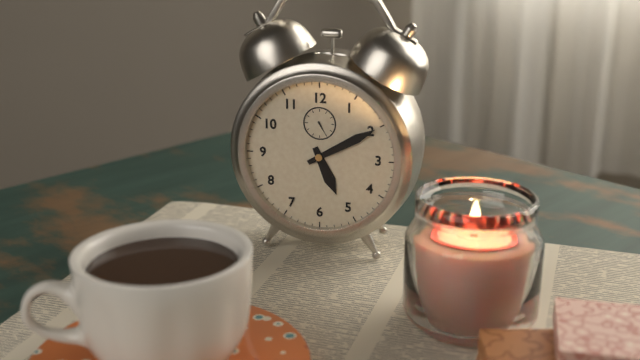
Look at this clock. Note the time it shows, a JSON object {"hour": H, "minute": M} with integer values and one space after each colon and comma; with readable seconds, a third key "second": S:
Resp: {"hour": 5, "minute": 10}
